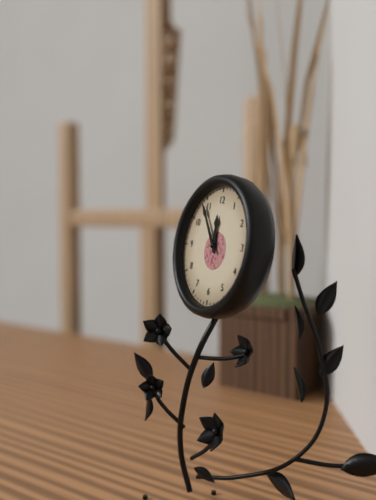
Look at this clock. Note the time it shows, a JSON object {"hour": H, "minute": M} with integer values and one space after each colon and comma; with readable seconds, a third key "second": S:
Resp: {"hour": 11, "minute": 54}
